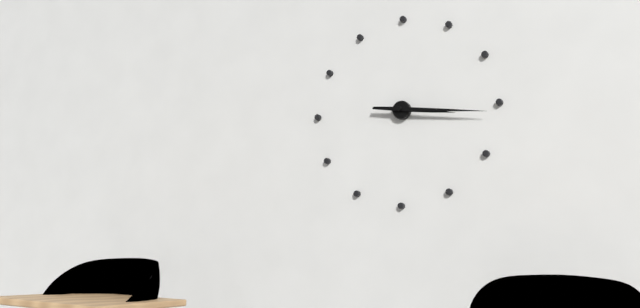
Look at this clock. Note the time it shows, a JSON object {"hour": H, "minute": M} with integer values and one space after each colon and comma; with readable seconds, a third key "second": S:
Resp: {"hour": 3, "minute": 16}
